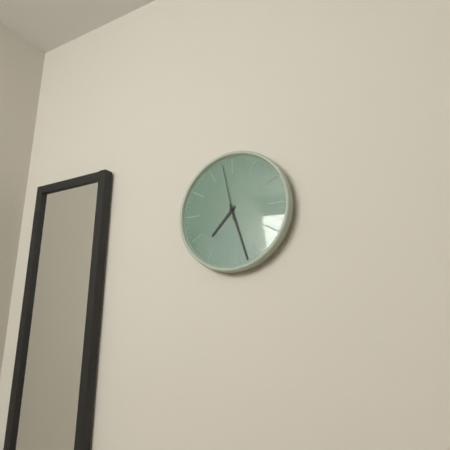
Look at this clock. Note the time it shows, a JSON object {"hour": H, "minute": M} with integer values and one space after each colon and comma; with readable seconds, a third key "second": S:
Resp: {"hour": 7, "minute": 27, "second": 58}
